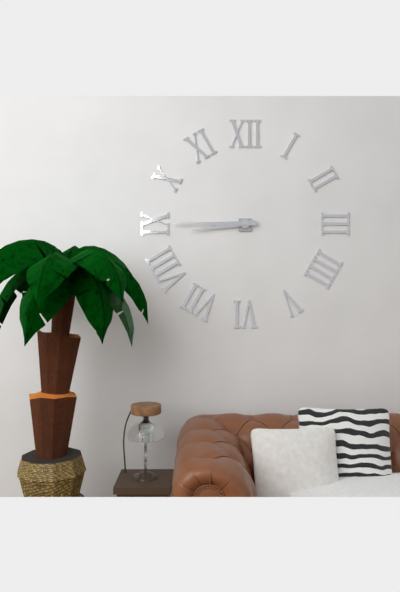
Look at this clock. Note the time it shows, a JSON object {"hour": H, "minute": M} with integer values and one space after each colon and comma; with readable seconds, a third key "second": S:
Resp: {"hour": 8, "minute": 45}
